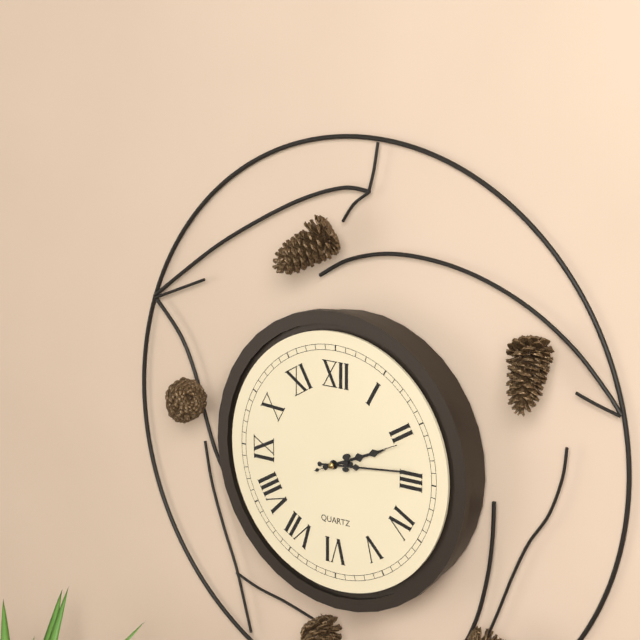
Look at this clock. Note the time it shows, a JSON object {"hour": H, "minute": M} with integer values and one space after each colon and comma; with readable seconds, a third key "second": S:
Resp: {"hour": 2, "minute": 14, "second": 11}
